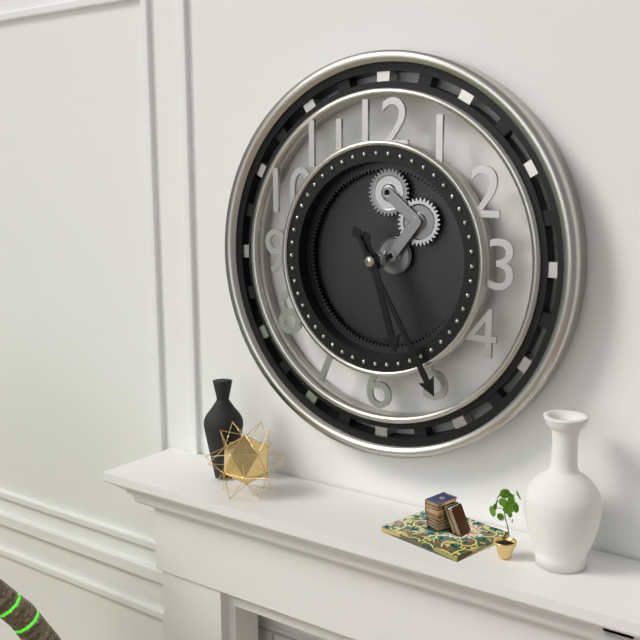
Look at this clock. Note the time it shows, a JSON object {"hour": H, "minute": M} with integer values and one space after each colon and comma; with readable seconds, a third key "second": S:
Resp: {"hour": 5, "minute": 25}
